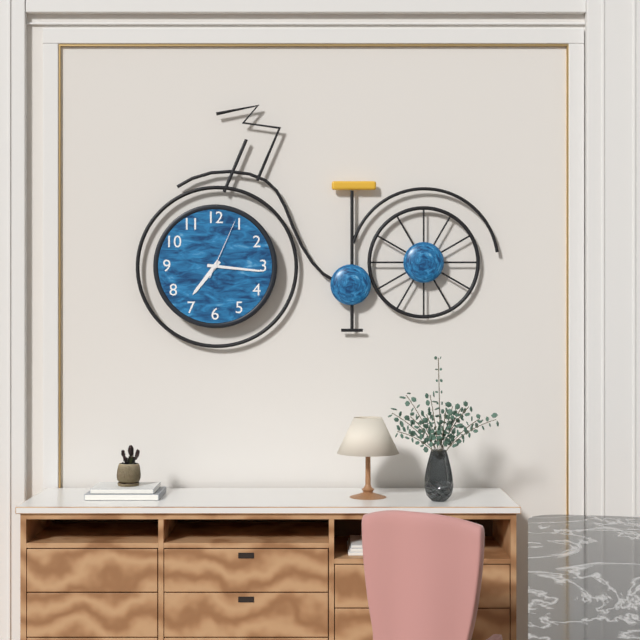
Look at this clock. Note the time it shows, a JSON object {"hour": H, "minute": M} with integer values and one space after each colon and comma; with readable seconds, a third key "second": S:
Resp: {"hour": 7, "minute": 16, "second": 4}
